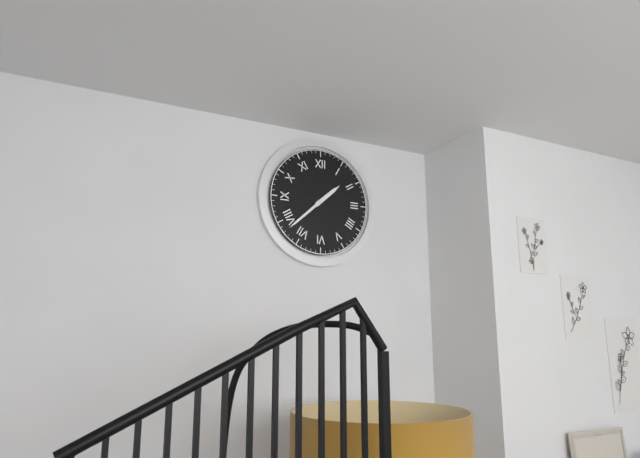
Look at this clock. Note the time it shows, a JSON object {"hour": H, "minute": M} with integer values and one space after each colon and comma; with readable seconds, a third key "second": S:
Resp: {"hour": 1, "minute": 38}
